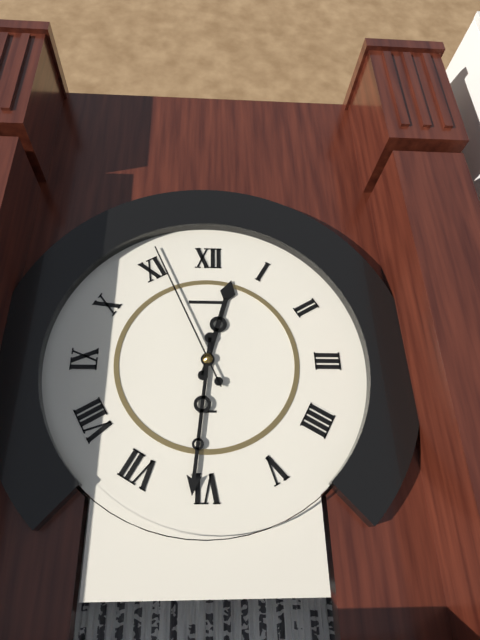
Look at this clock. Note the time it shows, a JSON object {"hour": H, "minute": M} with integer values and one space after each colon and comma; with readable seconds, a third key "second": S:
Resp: {"hour": 12, "minute": 31, "second": 56}
